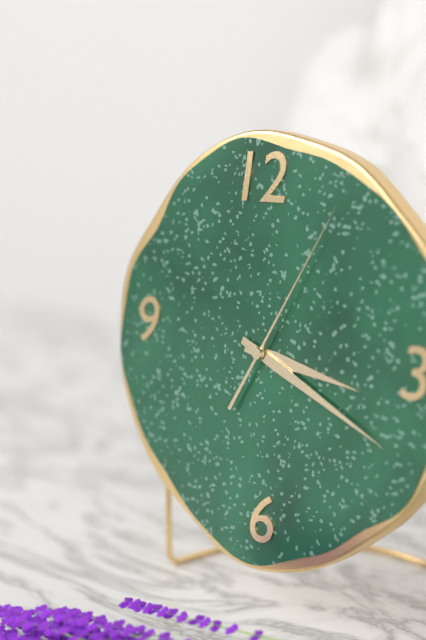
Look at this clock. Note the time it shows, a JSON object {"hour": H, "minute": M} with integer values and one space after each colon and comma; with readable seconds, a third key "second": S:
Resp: {"hour": 3, "minute": 19, "second": 5}
